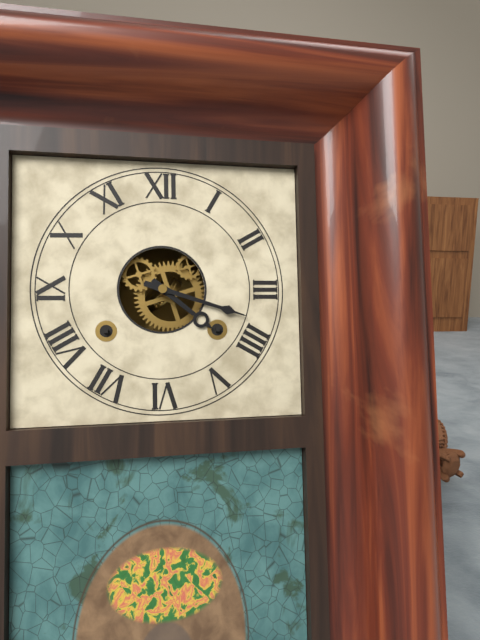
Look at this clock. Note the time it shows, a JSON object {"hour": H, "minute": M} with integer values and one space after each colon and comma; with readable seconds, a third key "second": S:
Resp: {"hour": 4, "minute": 18}
